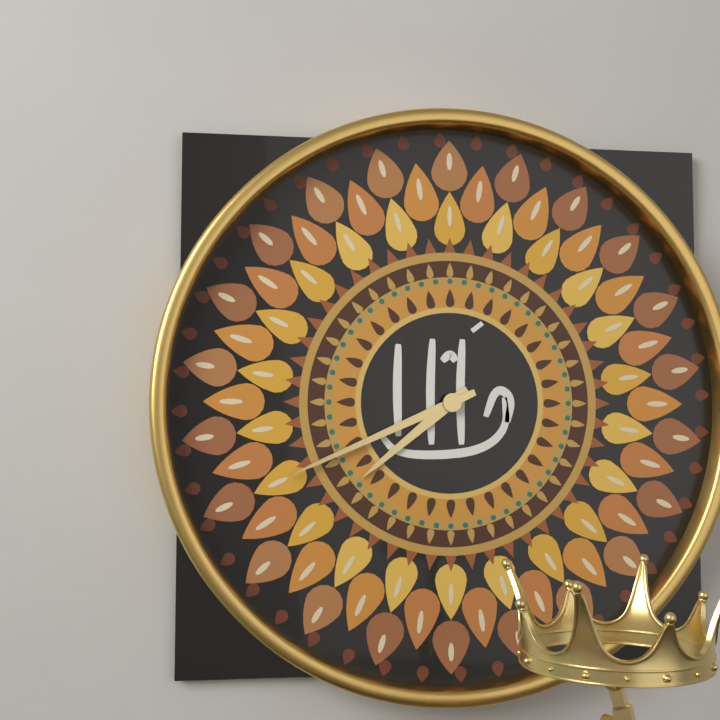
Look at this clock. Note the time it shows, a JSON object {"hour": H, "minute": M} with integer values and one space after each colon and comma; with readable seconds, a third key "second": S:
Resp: {"hour": 7, "minute": 41}
